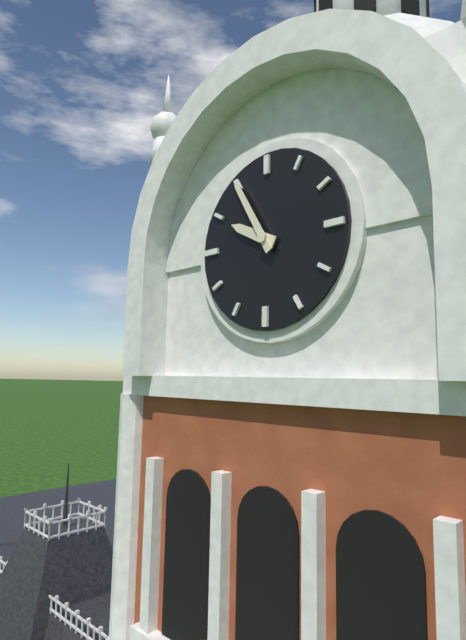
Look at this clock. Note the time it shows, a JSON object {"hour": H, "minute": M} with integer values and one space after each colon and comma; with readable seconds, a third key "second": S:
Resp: {"hour": 9, "minute": 55}
